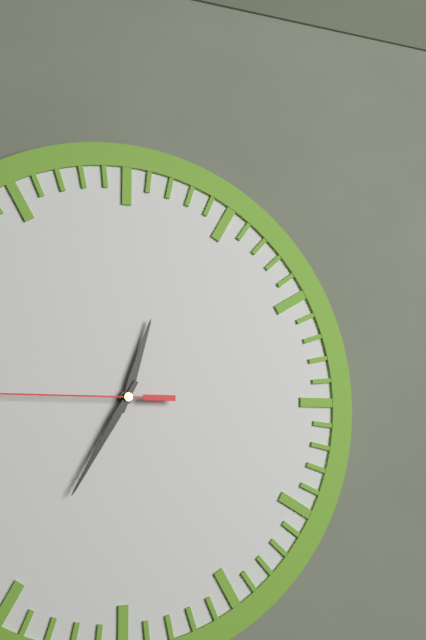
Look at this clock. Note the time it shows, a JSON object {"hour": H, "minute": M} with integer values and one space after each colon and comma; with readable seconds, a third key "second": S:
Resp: {"hour": 12, "minute": 35}
